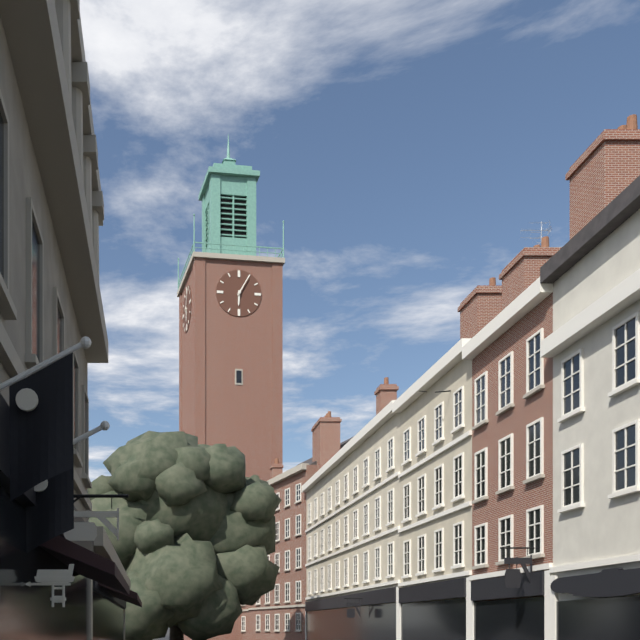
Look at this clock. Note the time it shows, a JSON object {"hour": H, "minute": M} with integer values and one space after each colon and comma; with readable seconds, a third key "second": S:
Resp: {"hour": 6, "minute": 5}
